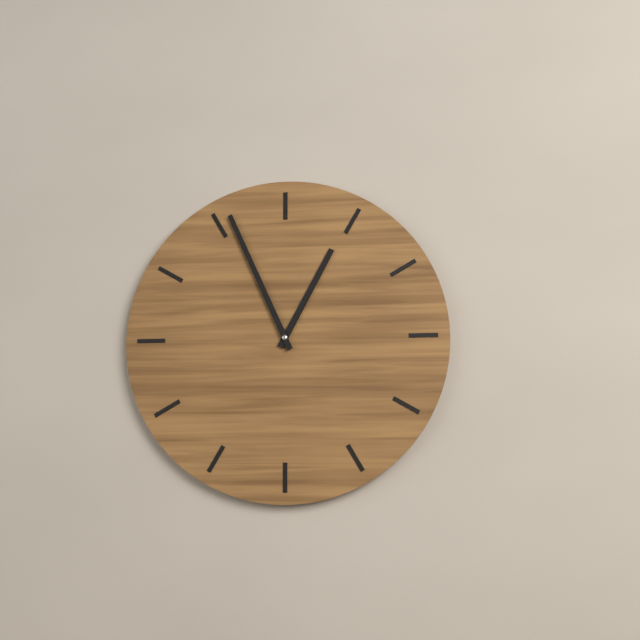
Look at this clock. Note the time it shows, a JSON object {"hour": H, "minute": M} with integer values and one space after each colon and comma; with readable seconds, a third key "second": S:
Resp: {"hour": 12, "minute": 56}
